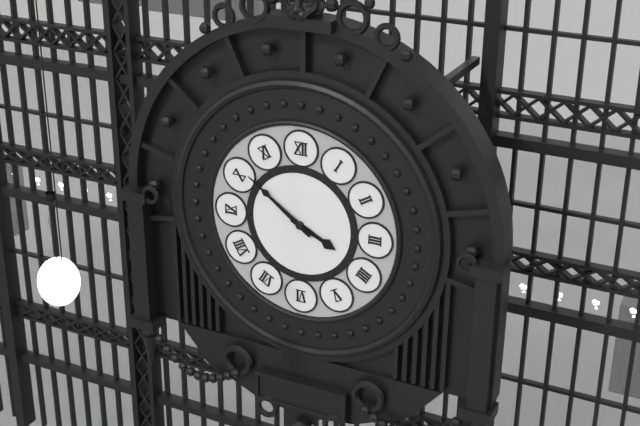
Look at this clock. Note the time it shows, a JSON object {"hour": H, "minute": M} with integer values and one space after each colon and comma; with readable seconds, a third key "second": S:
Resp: {"hour": 3, "minute": 51}
